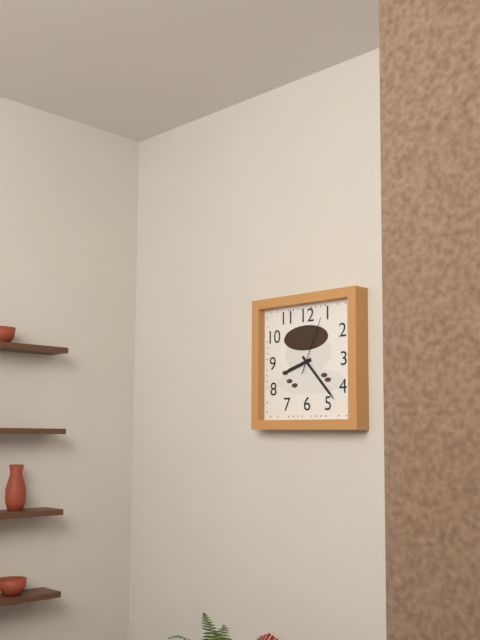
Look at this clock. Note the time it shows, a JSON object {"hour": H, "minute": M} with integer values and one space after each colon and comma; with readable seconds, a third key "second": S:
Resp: {"hour": 8, "minute": 23, "second": 4}
